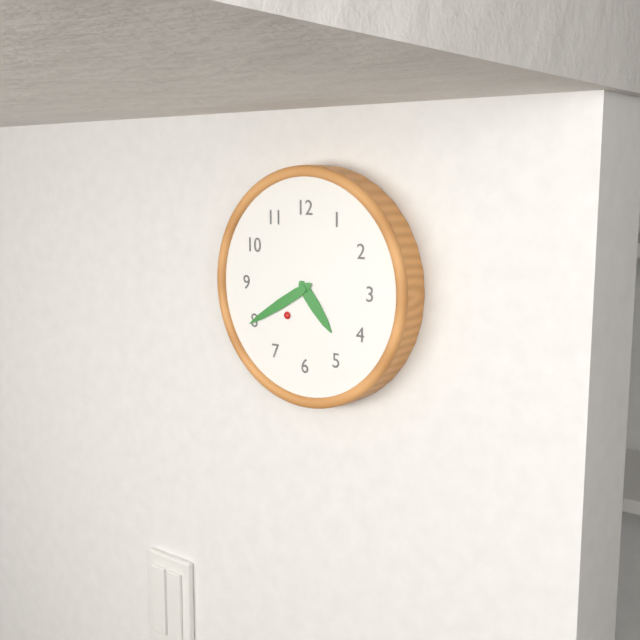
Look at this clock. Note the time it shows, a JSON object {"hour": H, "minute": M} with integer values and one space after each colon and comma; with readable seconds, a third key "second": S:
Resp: {"hour": 4, "minute": 40}
